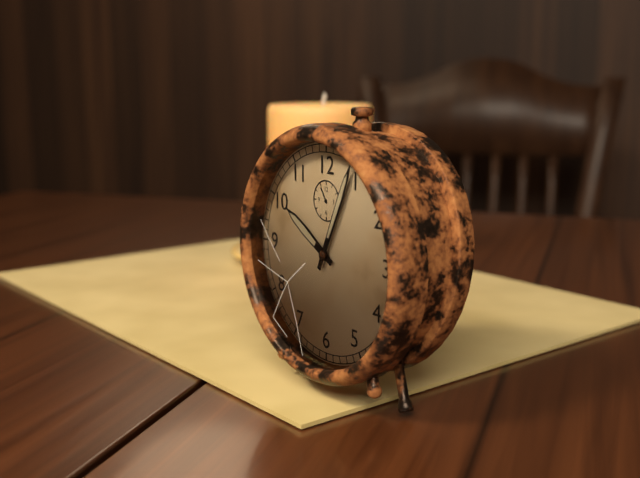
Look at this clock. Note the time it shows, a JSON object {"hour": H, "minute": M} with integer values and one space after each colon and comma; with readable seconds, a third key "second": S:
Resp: {"hour": 10, "minute": 4}
